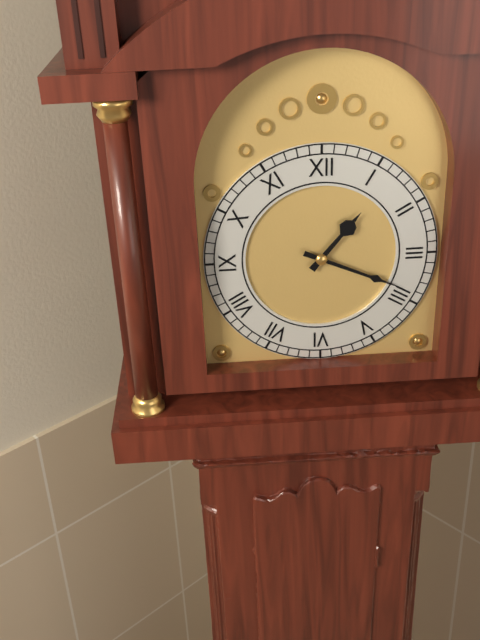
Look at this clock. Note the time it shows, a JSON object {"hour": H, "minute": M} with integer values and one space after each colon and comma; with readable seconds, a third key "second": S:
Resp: {"hour": 1, "minute": 19}
